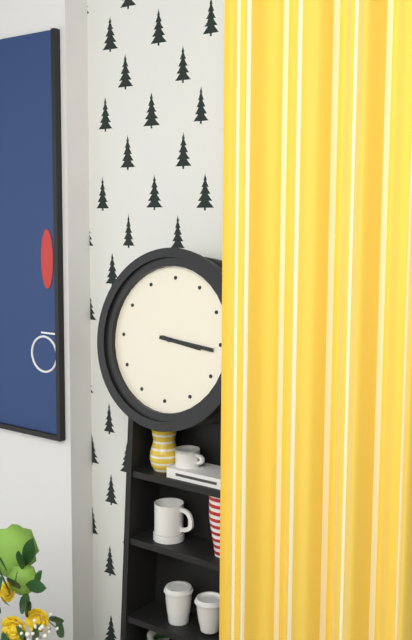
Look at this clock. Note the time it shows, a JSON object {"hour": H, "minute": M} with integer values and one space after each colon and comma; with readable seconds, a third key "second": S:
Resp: {"hour": 3, "minute": 16}
